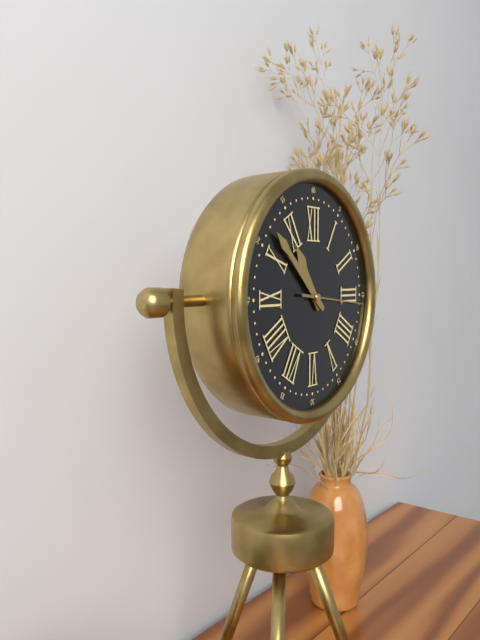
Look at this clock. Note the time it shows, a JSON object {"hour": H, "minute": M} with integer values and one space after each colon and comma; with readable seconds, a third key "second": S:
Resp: {"hour": 10, "minute": 52, "second": 16}
